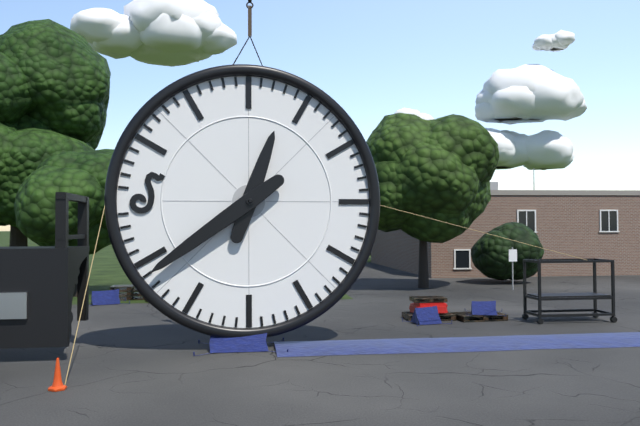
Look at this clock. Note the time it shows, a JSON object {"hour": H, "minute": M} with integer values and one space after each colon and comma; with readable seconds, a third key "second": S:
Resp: {"hour": 12, "minute": 39}
